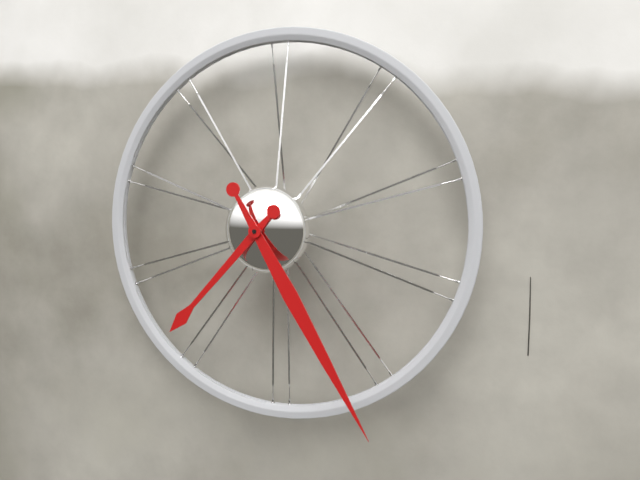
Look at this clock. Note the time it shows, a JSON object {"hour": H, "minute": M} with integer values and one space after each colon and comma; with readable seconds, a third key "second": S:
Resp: {"hour": 7, "minute": 25}
